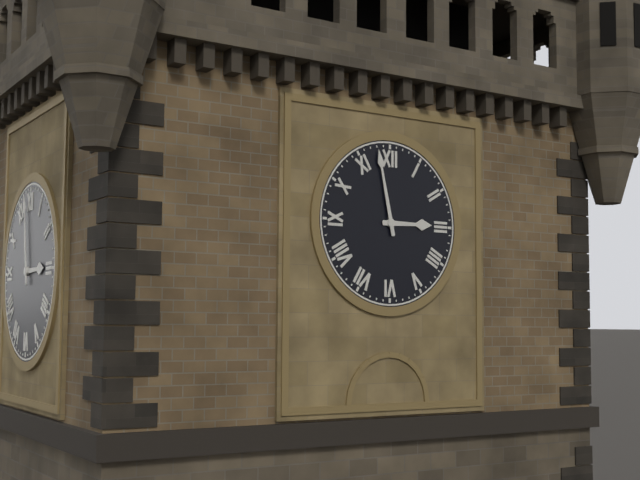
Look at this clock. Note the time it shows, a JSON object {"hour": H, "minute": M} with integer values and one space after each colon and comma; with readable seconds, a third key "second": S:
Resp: {"hour": 2, "minute": 58}
